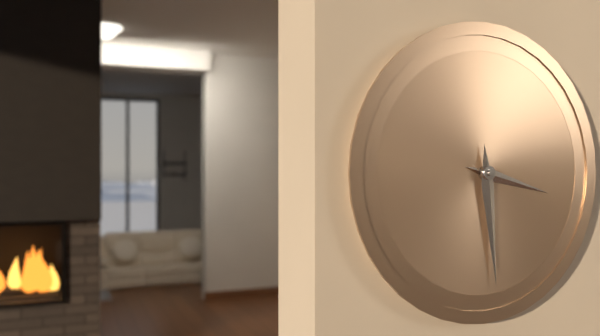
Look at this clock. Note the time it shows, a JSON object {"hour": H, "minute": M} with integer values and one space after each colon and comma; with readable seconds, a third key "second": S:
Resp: {"hour": 3, "minute": 29}
